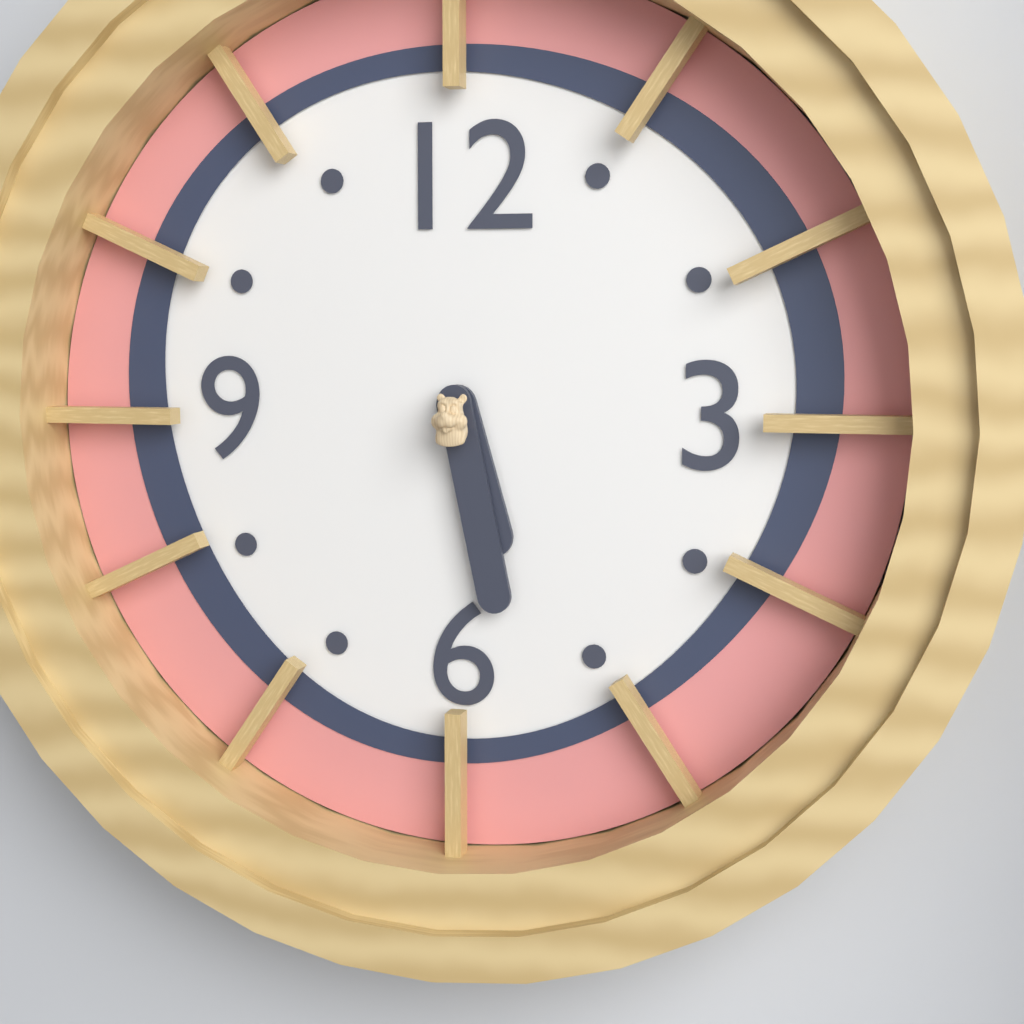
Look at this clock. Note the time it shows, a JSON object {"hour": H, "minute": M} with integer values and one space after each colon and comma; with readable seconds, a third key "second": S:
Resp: {"hour": 5, "minute": 28}
